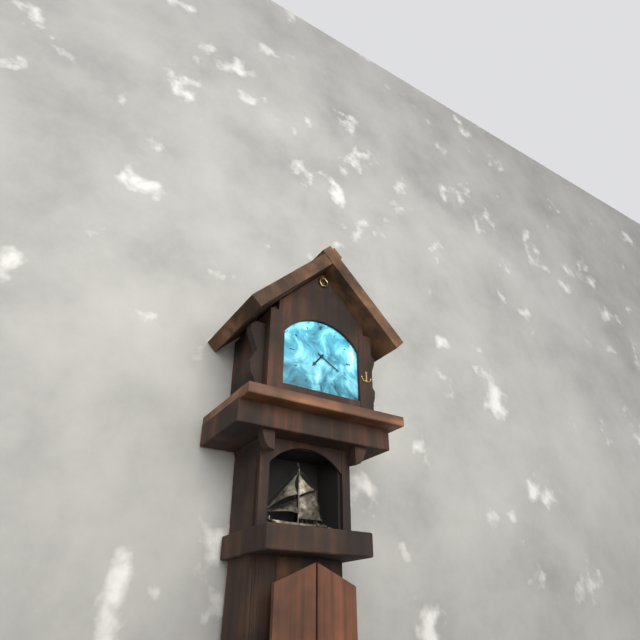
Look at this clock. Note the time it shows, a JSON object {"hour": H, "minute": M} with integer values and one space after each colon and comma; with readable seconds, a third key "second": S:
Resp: {"hour": 7, "minute": 20}
